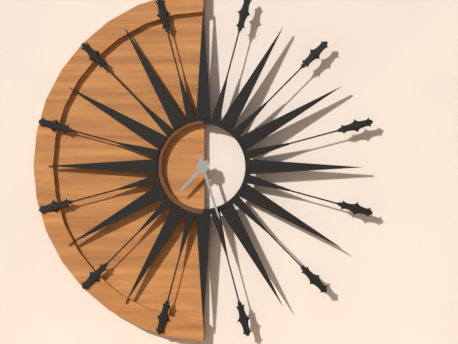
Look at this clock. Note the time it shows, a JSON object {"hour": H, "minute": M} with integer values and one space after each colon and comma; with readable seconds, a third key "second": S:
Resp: {"hour": 7, "minute": 27}
